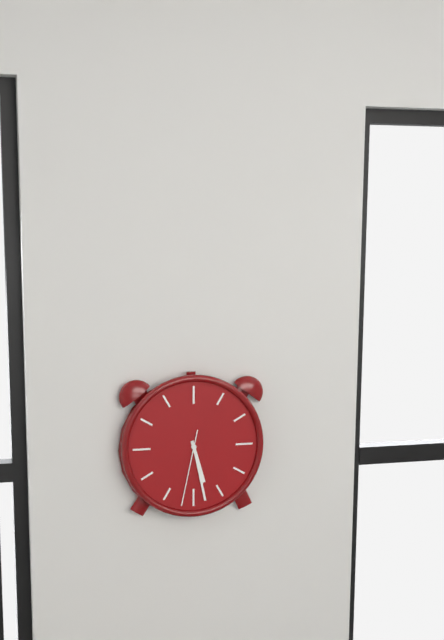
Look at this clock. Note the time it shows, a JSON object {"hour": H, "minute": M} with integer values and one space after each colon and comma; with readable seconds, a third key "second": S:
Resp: {"hour": 5, "minute": 28, "second": 32}
